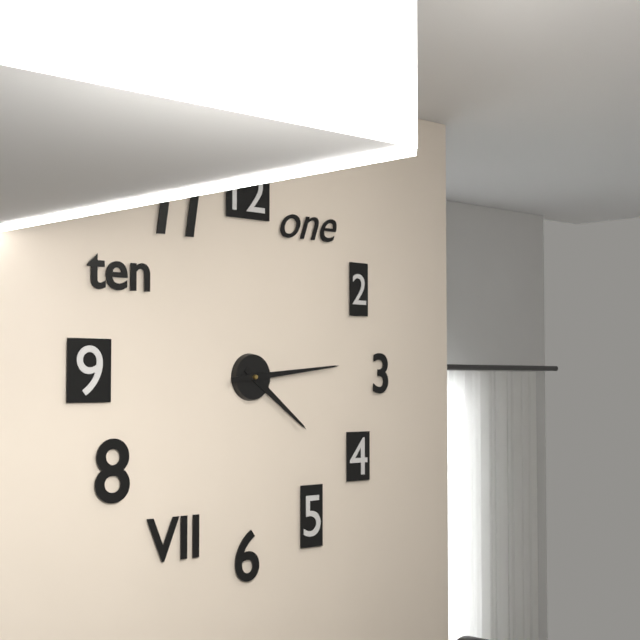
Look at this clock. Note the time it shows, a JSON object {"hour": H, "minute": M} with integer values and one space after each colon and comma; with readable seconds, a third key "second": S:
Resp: {"hour": 4, "minute": 14}
